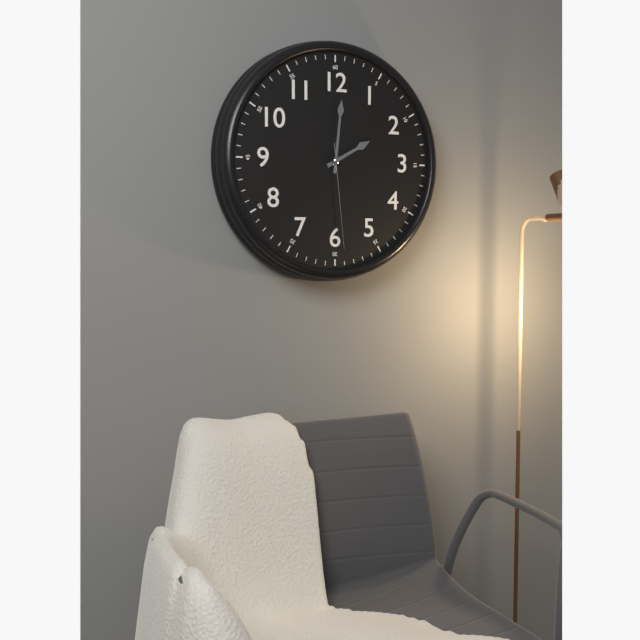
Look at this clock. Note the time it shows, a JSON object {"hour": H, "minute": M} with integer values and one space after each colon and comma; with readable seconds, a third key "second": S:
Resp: {"hour": 2, "minute": 1, "second": 29}
